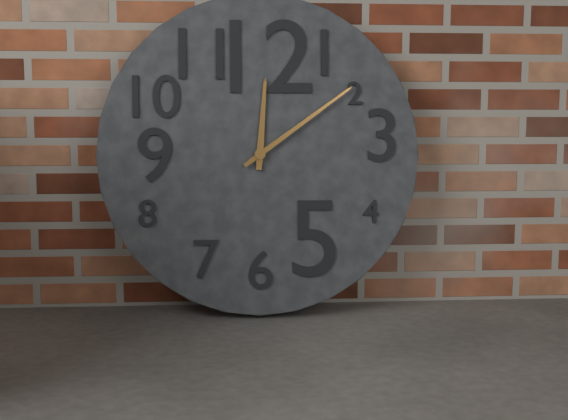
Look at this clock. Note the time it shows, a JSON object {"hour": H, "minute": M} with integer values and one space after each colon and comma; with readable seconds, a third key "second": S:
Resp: {"hour": 12, "minute": 9}
